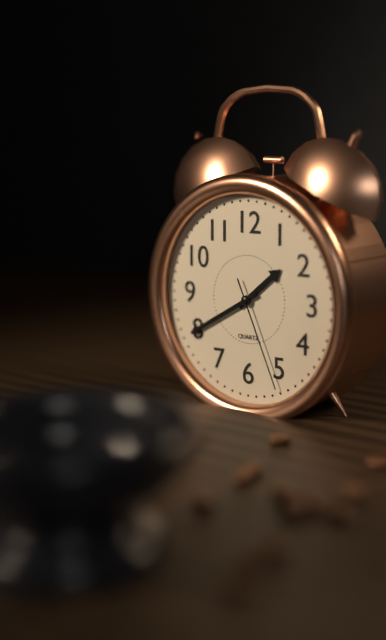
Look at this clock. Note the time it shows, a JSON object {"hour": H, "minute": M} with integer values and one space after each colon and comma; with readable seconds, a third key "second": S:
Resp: {"hour": 1, "minute": 40, "second": 26}
